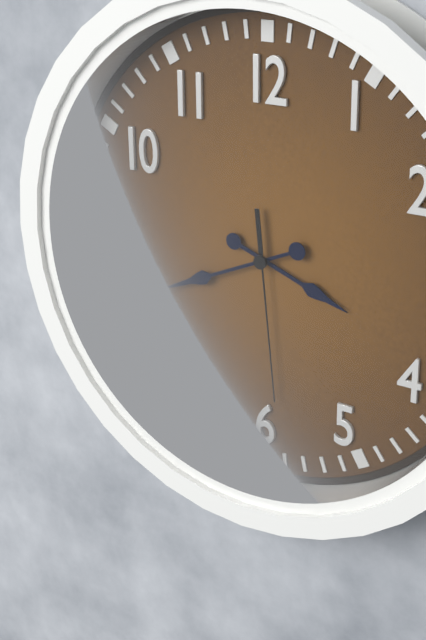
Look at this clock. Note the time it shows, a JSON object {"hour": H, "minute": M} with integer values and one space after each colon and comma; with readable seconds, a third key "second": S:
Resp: {"hour": 3, "minute": 41, "second": 29}
